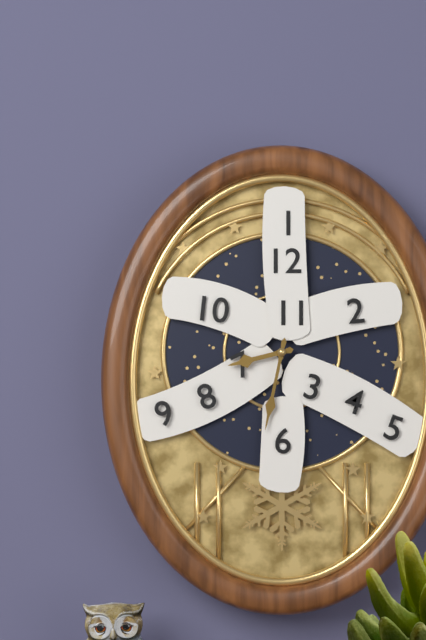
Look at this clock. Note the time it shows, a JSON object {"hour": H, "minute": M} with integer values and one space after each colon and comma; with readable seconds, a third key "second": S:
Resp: {"hour": 8, "minute": 32}
